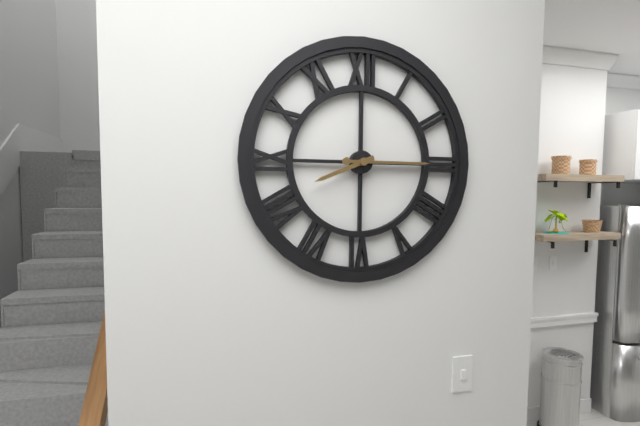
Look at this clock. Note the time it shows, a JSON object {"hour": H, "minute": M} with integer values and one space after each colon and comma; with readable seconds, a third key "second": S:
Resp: {"hour": 8, "minute": 15}
